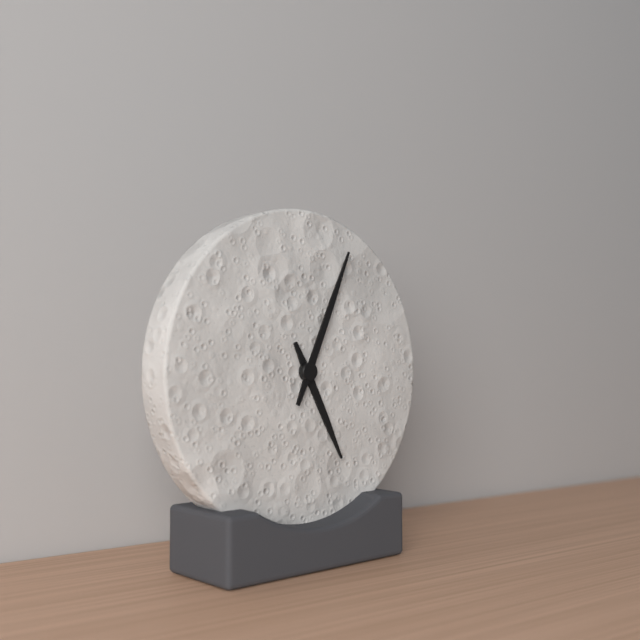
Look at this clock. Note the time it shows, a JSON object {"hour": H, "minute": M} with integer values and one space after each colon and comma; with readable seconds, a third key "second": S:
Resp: {"hour": 5, "minute": 4}
